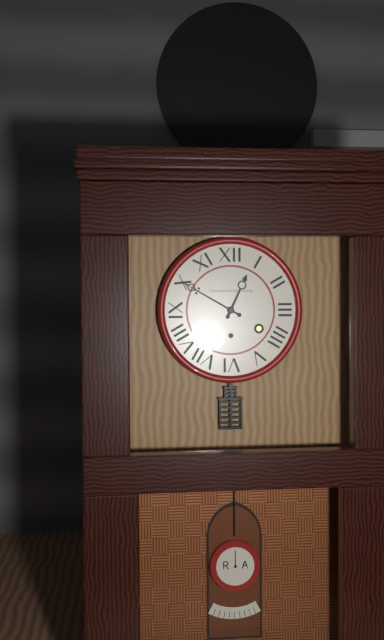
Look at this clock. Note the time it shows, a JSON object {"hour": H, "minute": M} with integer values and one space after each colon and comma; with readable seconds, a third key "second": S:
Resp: {"hour": 12, "minute": 50}
